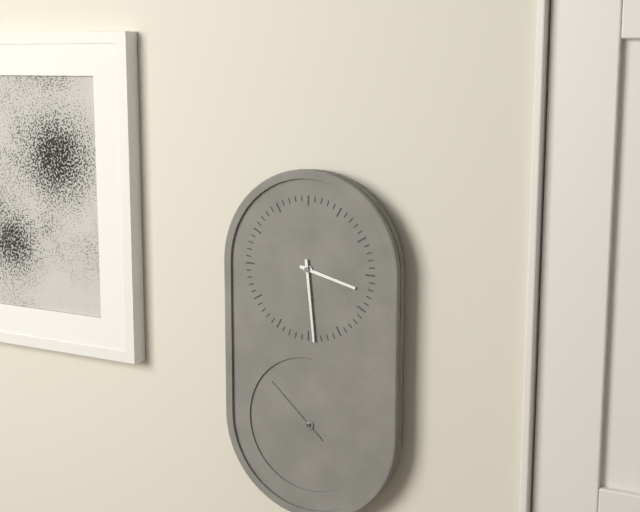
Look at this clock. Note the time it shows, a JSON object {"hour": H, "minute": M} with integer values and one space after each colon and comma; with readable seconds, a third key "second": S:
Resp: {"hour": 3, "minute": 29, "second": 52}
